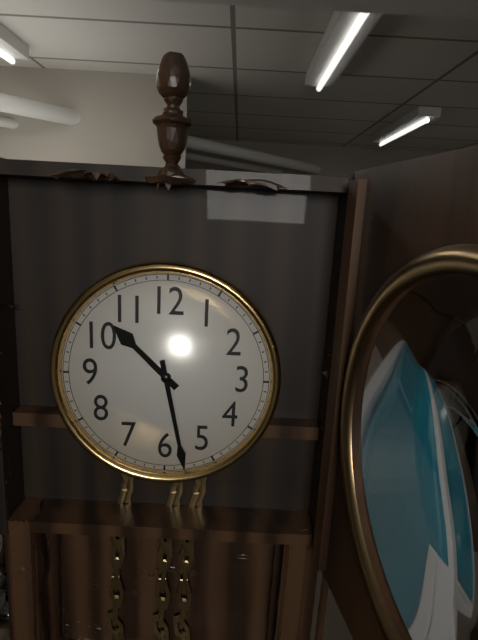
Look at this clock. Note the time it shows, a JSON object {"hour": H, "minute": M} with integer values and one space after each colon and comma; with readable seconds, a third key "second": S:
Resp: {"hour": 10, "minute": 28}
